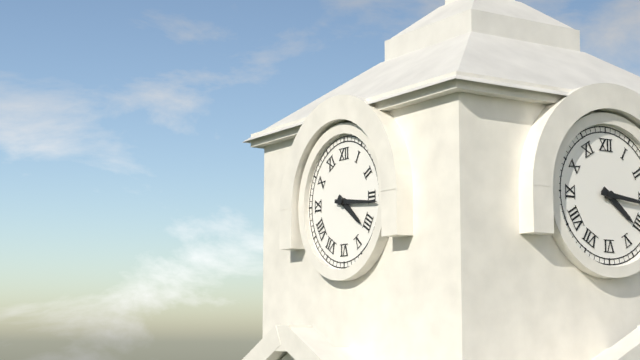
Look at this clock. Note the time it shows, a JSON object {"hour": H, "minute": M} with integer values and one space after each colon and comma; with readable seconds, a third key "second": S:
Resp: {"hour": 4, "minute": 16}
